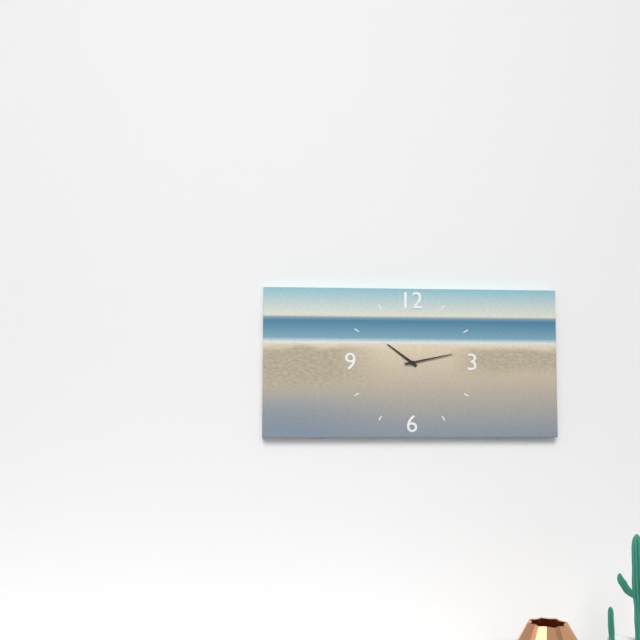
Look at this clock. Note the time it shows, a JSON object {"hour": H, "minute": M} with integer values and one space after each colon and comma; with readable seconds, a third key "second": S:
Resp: {"hour": 10, "minute": 13}
